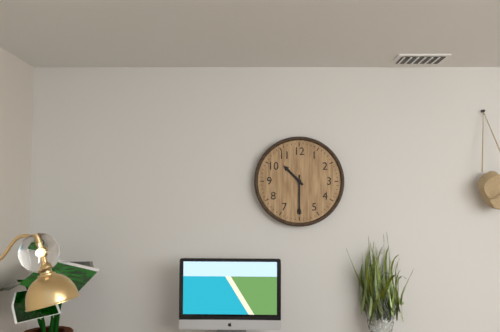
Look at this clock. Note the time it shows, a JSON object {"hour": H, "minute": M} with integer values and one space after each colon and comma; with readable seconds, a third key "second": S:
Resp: {"hour": 10, "minute": 30}
